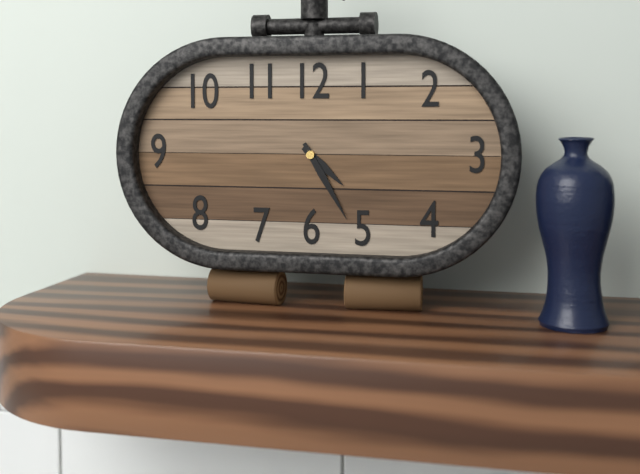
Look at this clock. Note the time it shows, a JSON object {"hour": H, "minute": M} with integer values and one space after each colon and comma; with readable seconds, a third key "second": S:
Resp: {"hour": 4, "minute": 25}
